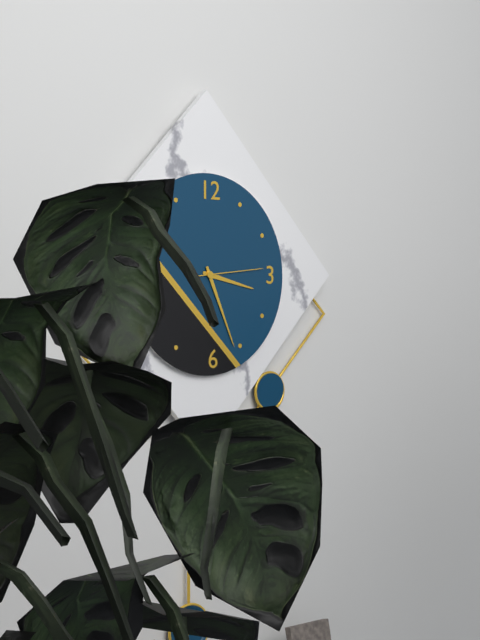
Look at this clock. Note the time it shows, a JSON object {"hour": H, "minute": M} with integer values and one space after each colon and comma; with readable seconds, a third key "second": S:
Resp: {"hour": 3, "minute": 26, "second": 14}
